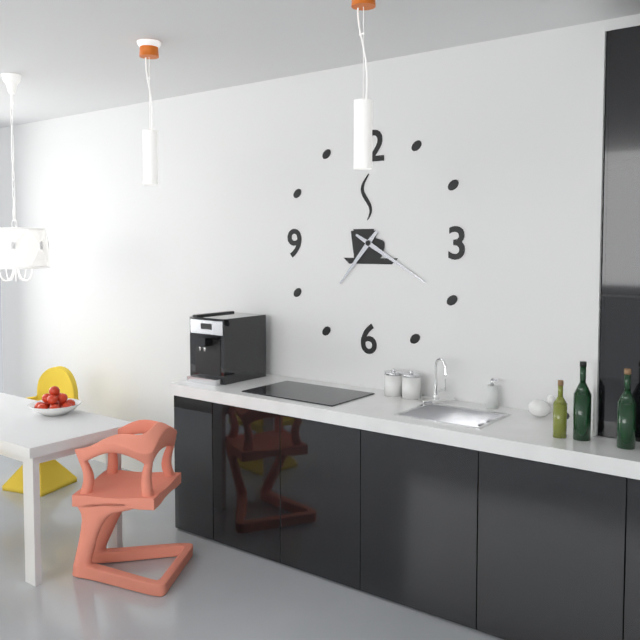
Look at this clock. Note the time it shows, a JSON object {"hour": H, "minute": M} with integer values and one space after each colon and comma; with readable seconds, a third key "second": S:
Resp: {"hour": 7, "minute": 20}
